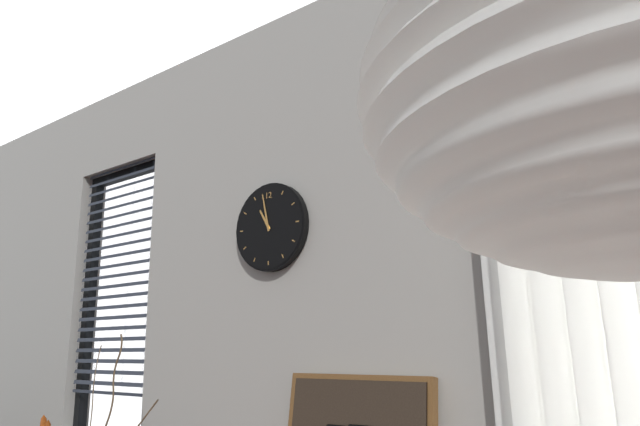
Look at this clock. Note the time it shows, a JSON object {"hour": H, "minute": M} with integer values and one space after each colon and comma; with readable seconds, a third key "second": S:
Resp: {"hour": 10, "minute": 58}
